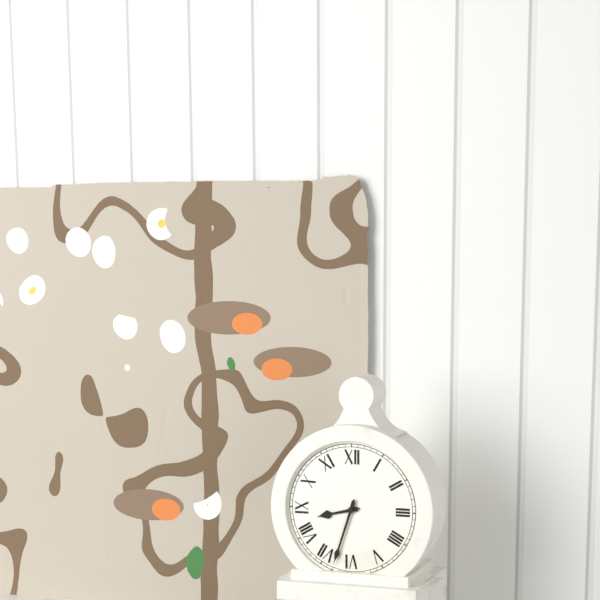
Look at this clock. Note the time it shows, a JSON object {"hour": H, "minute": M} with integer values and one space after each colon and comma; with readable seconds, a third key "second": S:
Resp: {"hour": 8, "minute": 33}
